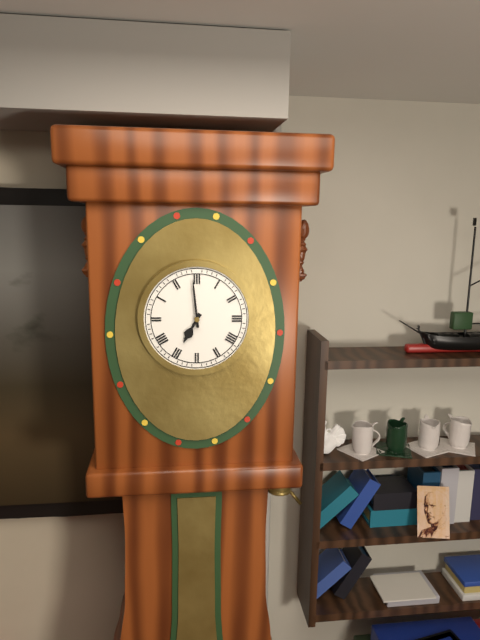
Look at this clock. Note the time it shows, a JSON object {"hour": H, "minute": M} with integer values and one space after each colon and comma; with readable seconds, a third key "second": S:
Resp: {"hour": 6, "minute": 59}
